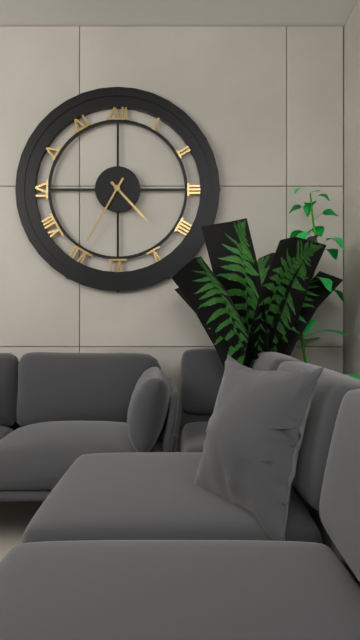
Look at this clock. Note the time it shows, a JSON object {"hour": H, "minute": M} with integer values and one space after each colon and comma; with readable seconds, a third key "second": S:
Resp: {"hour": 4, "minute": 35}
